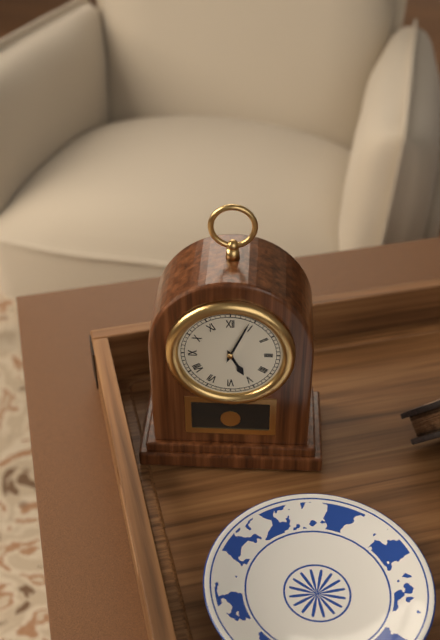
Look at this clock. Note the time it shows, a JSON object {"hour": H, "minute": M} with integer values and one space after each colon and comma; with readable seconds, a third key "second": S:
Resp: {"hour": 5, "minute": 4}
